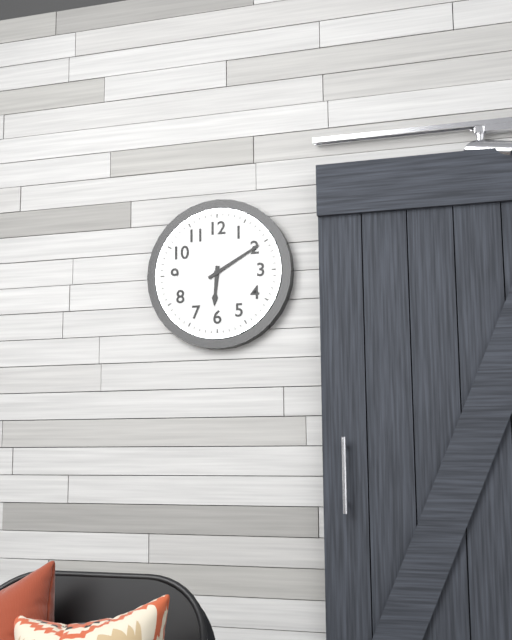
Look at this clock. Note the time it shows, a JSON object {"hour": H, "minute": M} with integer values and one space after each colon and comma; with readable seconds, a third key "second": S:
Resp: {"hour": 6, "minute": 10}
